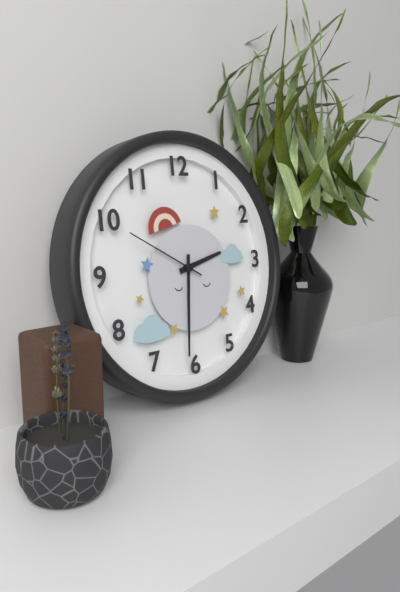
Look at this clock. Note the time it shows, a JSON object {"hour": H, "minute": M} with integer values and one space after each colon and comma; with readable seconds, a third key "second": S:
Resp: {"hour": 2, "minute": 31, "second": 50}
